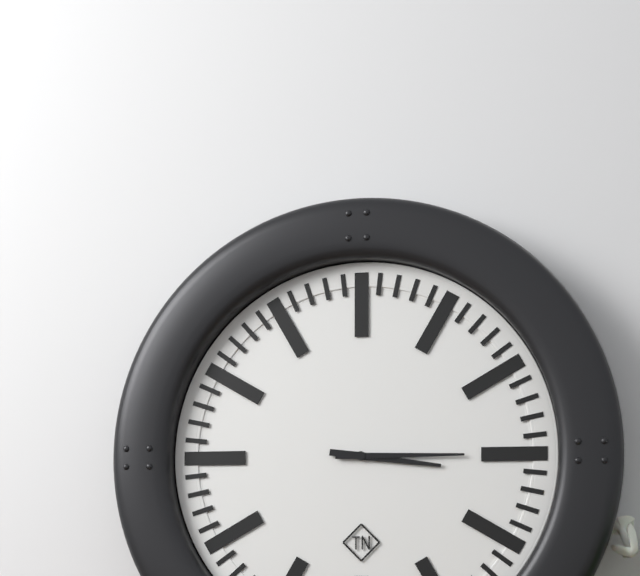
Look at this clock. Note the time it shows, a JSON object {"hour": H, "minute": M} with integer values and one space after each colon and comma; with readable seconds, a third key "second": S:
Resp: {"hour": 3, "minute": 15}
